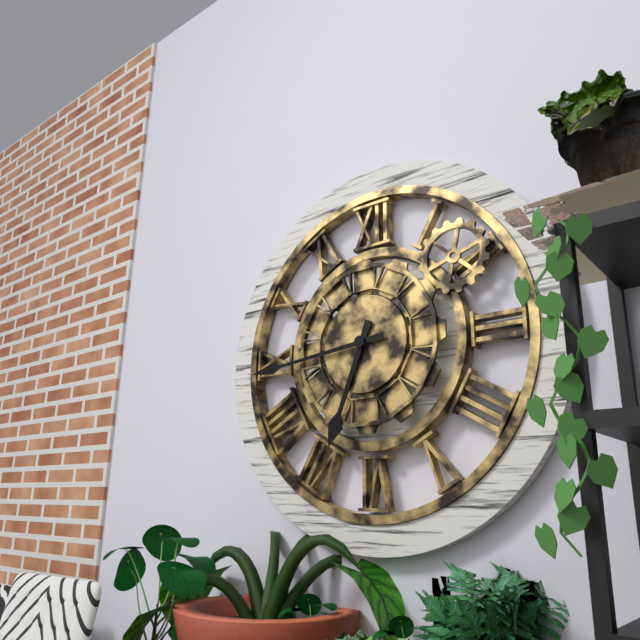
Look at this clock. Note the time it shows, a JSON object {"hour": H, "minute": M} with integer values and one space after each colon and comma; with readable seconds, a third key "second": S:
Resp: {"hour": 6, "minute": 44}
